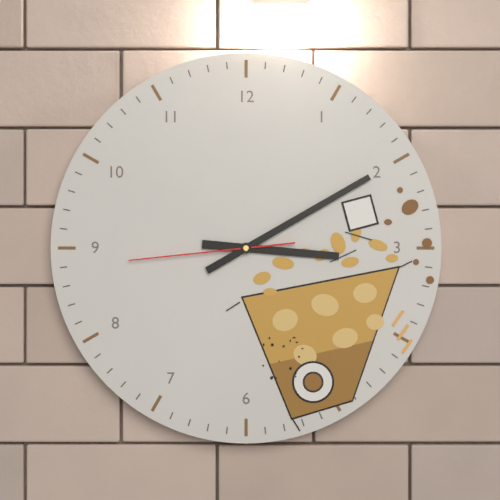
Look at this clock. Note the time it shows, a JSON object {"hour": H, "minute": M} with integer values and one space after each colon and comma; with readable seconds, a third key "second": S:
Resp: {"hour": 3, "minute": 10, "second": 44}
